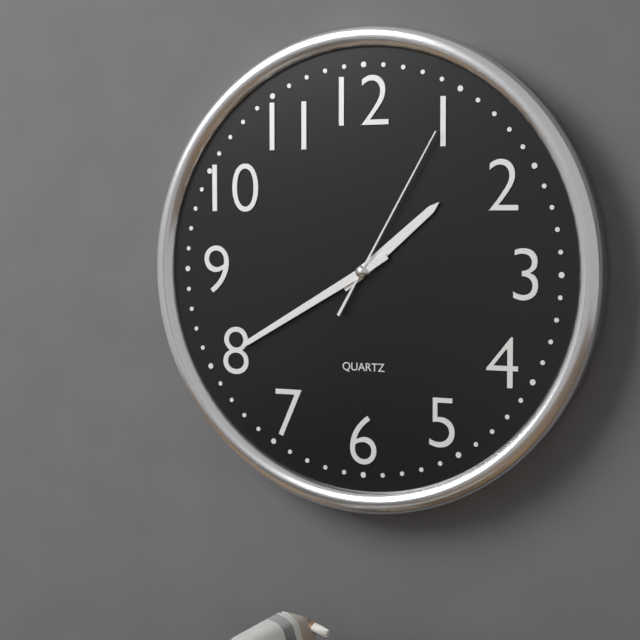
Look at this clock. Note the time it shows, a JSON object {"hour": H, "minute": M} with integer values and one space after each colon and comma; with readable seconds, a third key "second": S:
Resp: {"hour": 1, "minute": 40, "second": 5}
